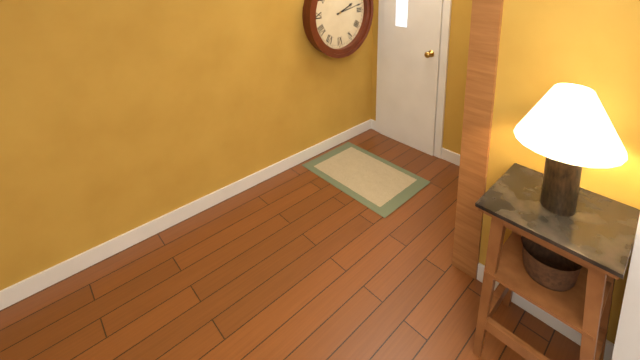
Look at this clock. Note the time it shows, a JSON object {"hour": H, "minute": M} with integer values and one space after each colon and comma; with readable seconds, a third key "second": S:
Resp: {"hour": 2, "minute": 13}
